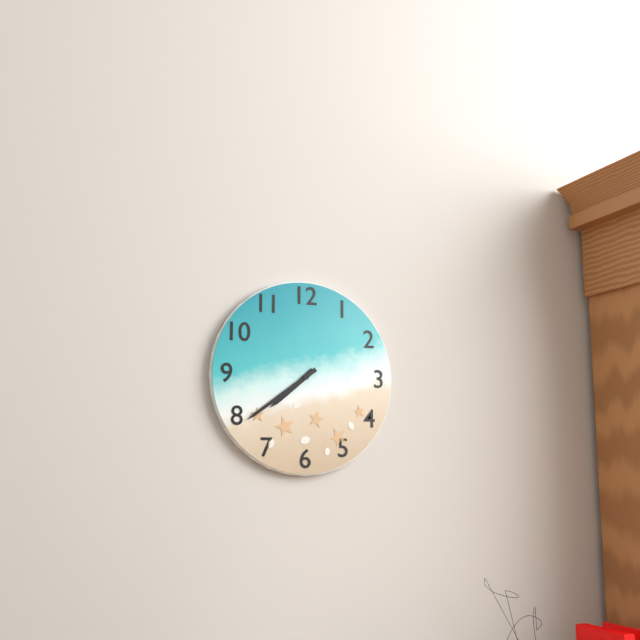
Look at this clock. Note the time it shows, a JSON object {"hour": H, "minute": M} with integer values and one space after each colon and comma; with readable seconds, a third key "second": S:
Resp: {"hour": 7, "minute": 39}
